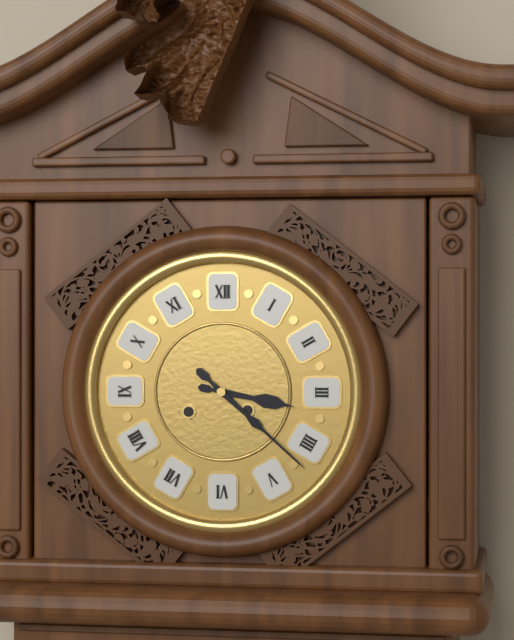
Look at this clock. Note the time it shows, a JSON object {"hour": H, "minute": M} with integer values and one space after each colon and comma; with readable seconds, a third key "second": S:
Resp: {"hour": 3, "minute": 22}
